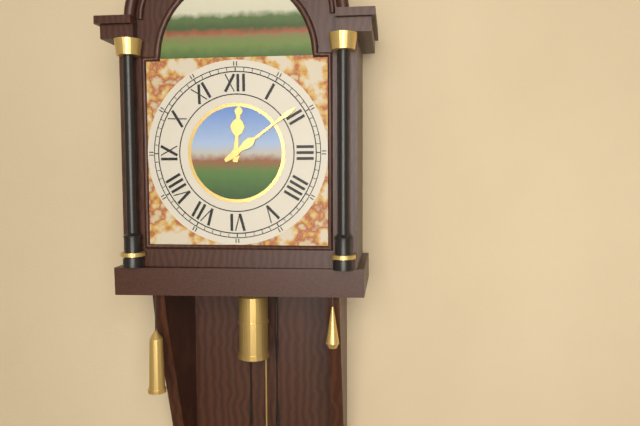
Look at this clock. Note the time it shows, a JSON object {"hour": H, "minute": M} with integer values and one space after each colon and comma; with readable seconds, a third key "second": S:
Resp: {"hour": 12, "minute": 9}
